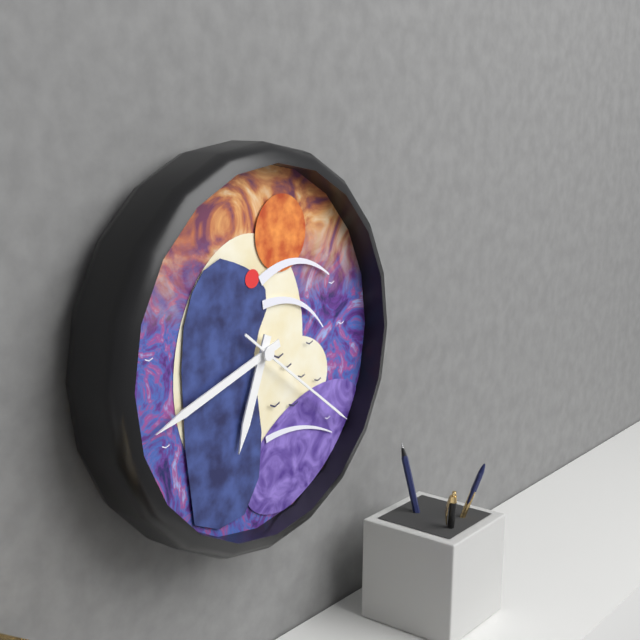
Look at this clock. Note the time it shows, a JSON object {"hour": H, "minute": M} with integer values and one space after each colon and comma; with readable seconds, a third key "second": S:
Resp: {"hour": 6, "minute": 42, "second": 21}
